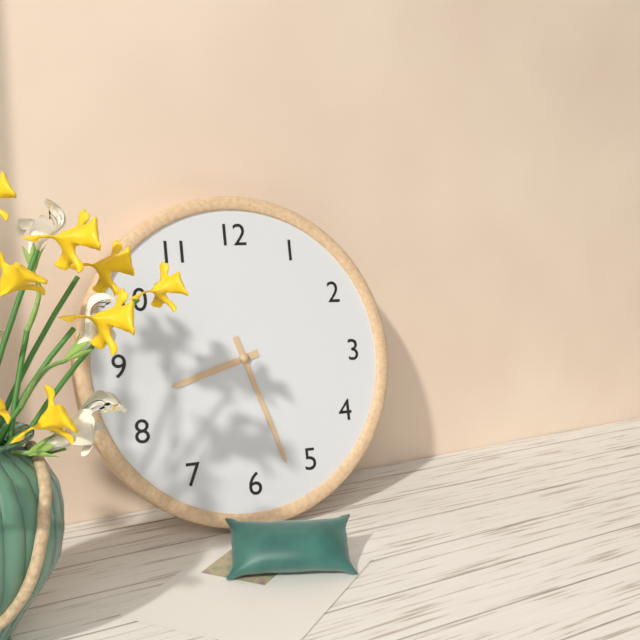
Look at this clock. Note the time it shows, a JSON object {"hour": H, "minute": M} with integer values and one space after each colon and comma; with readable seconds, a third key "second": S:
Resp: {"hour": 8, "minute": 27}
